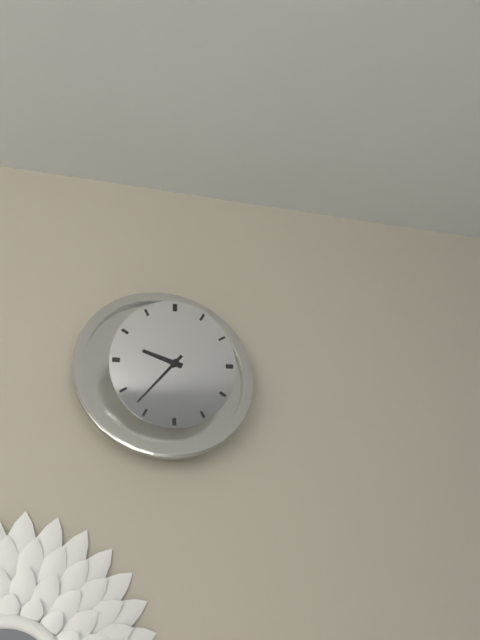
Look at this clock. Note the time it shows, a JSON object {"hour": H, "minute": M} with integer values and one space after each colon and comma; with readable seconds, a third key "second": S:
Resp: {"hour": 9, "minute": 37}
